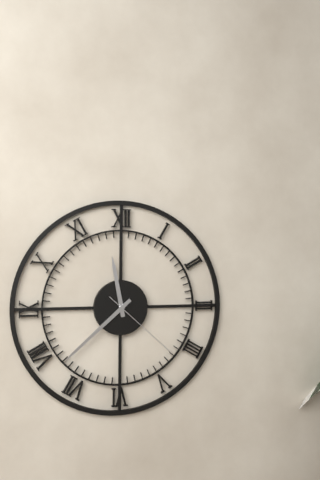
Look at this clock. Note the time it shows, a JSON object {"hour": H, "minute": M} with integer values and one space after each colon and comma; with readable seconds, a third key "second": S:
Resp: {"hour": 11, "minute": 38, "second": 22}
